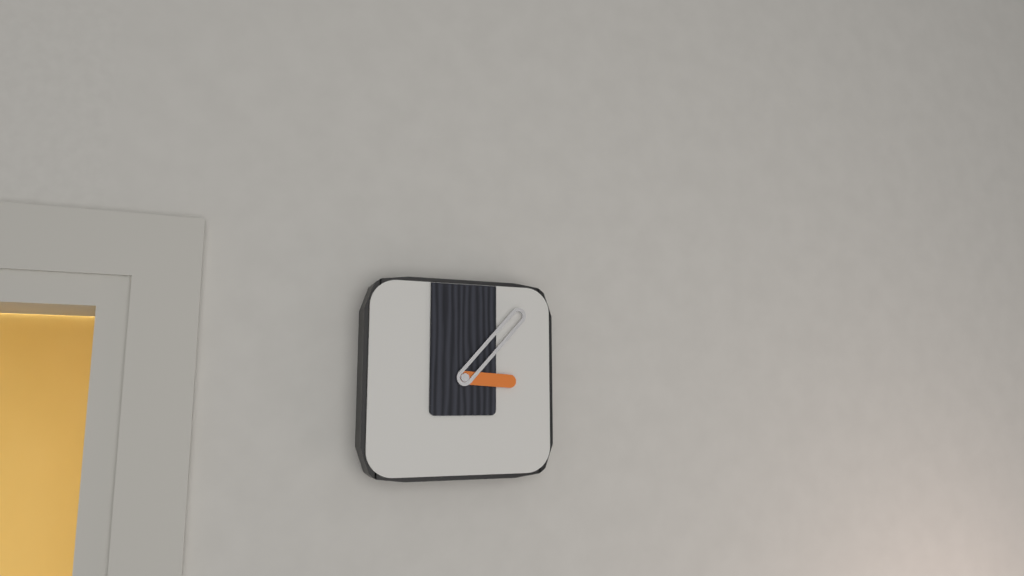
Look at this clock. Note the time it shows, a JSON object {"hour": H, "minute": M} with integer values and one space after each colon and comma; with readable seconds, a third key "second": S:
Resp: {"hour": 3, "minute": 7}
